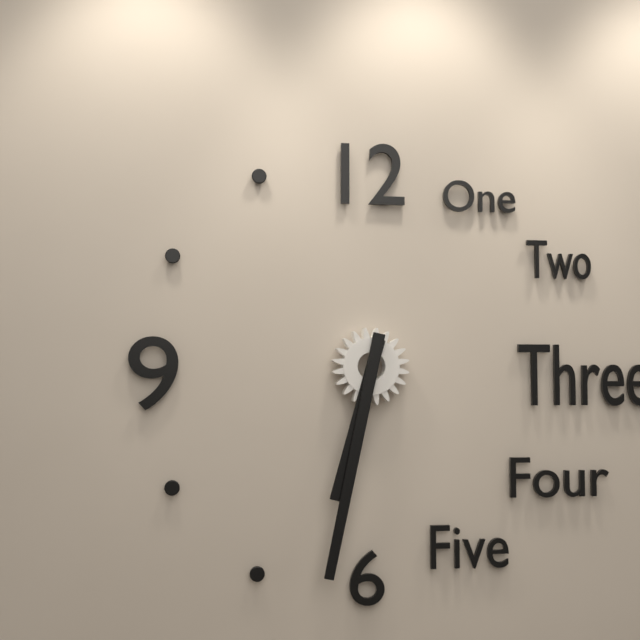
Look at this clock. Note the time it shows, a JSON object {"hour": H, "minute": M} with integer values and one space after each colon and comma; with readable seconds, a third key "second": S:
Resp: {"hour": 6, "minute": 32}
